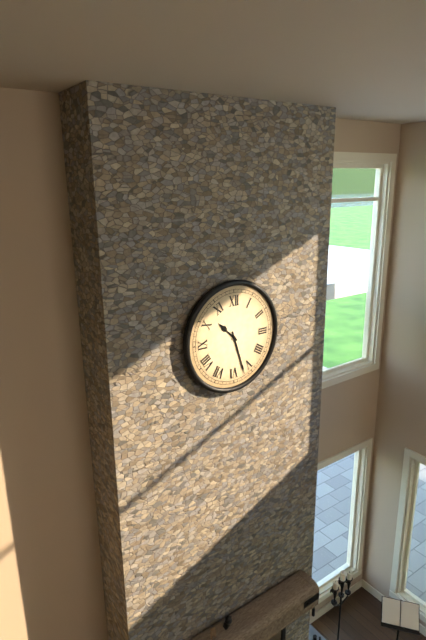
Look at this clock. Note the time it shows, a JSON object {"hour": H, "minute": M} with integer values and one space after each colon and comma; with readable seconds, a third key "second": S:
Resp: {"hour": 10, "minute": 27}
